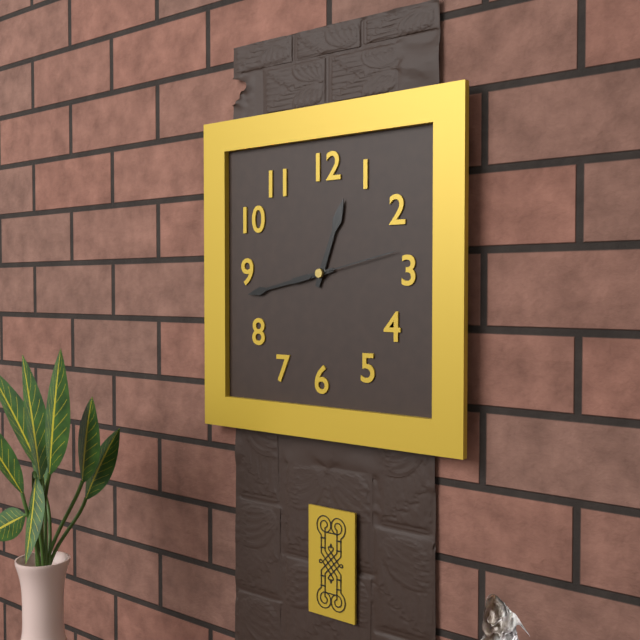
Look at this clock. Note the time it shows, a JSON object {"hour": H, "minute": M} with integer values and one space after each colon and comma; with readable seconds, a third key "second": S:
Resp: {"hour": 12, "minute": 43, "second": 13}
